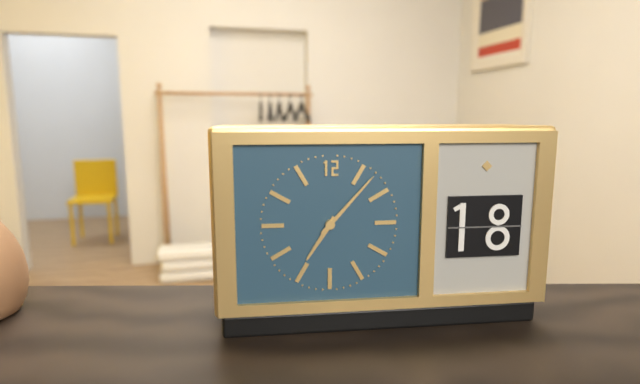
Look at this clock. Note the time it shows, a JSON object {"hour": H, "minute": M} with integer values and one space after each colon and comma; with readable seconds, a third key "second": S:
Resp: {"hour": 7, "minute": 7}
